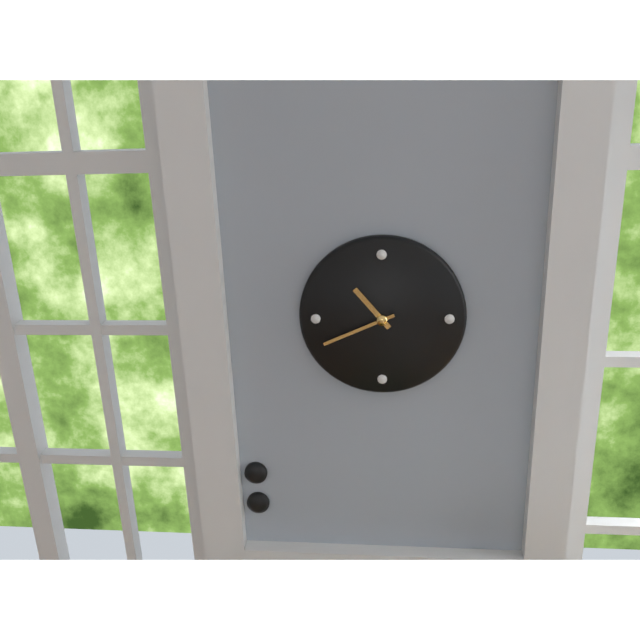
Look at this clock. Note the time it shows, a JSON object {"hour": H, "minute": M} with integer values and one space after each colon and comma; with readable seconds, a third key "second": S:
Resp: {"hour": 10, "minute": 41}
